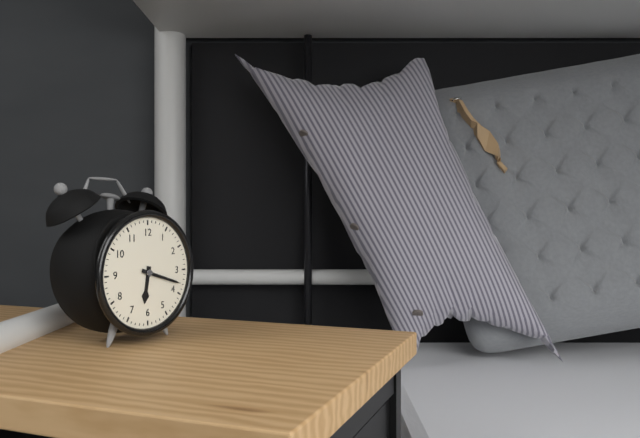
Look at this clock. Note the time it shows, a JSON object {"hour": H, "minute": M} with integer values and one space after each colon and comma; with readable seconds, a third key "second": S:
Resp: {"hour": 6, "minute": 18}
